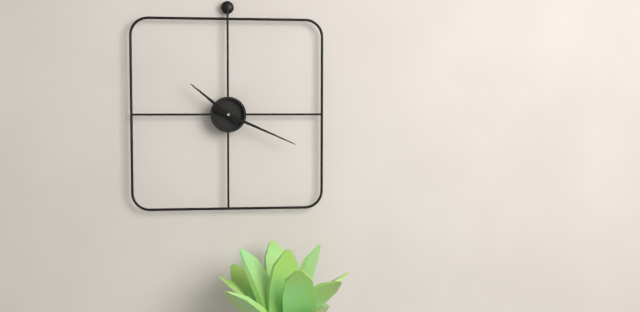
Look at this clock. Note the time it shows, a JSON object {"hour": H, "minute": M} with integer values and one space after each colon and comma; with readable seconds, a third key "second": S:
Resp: {"hour": 10, "minute": 19}
